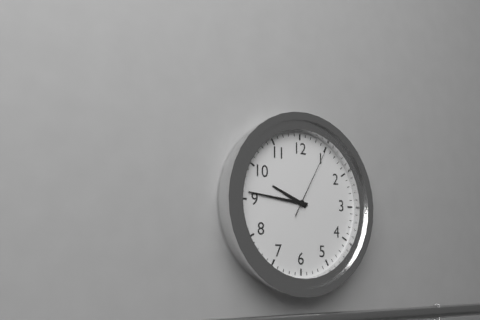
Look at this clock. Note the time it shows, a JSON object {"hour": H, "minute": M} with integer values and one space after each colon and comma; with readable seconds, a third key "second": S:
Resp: {"hour": 9, "minute": 46, "second": 5}
